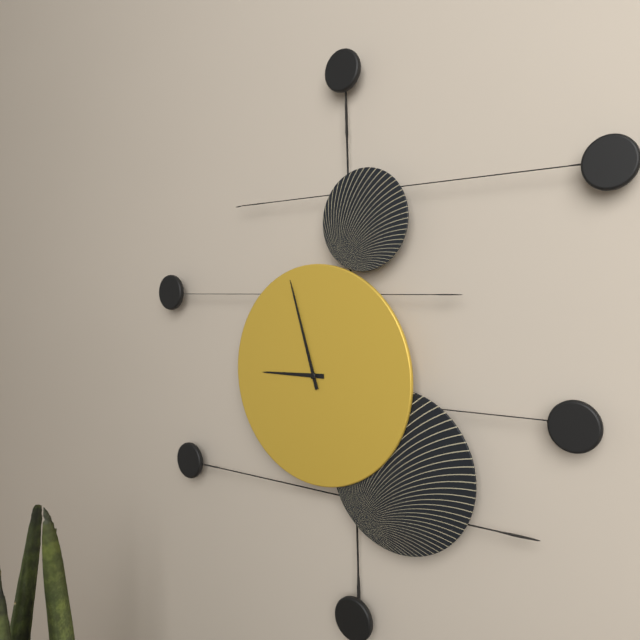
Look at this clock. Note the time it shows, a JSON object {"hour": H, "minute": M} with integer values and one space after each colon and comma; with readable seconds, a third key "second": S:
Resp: {"hour": 8, "minute": 57}
